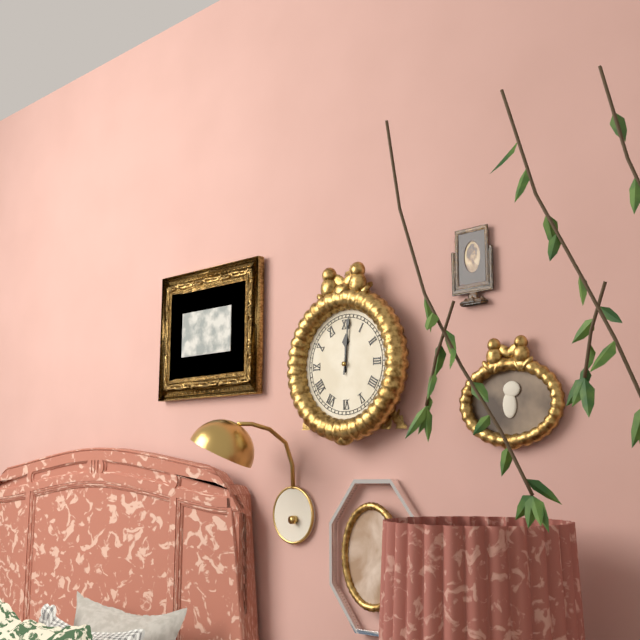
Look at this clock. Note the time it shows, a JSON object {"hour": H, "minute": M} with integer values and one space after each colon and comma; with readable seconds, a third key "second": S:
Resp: {"hour": 12, "minute": 1}
